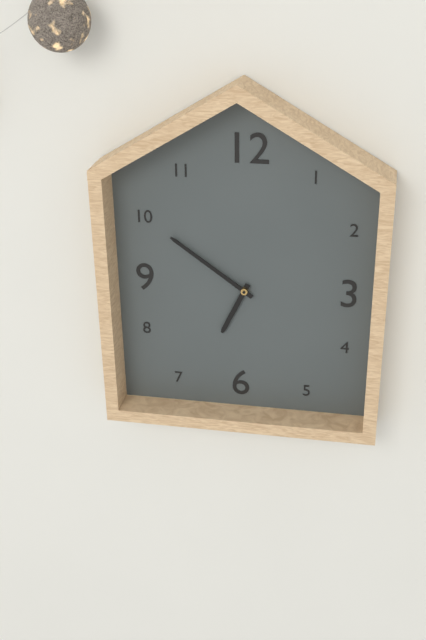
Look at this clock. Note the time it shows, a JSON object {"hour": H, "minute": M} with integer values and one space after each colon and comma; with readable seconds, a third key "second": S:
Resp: {"hour": 6, "minute": 51}
